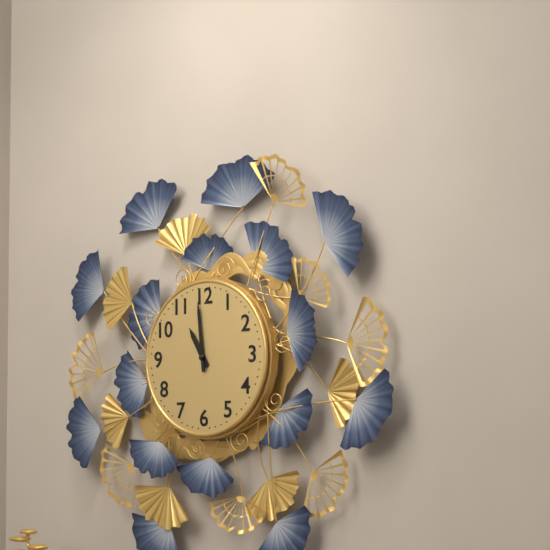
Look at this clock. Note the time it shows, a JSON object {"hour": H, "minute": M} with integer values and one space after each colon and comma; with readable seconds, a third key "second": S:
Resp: {"hour": 10, "minute": 59}
